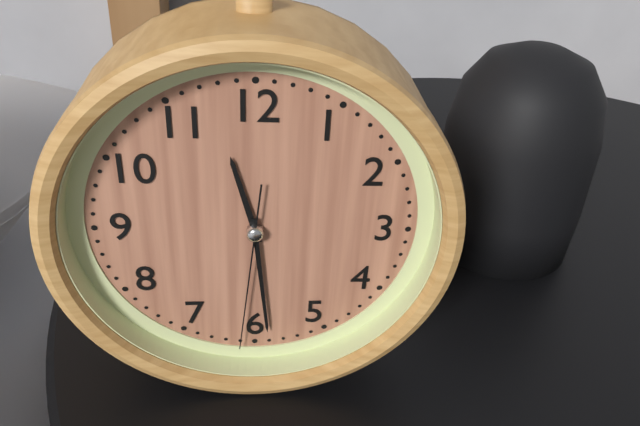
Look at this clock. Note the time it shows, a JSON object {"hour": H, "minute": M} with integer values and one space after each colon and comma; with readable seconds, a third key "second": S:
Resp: {"hour": 11, "minute": 29, "second": 31}
